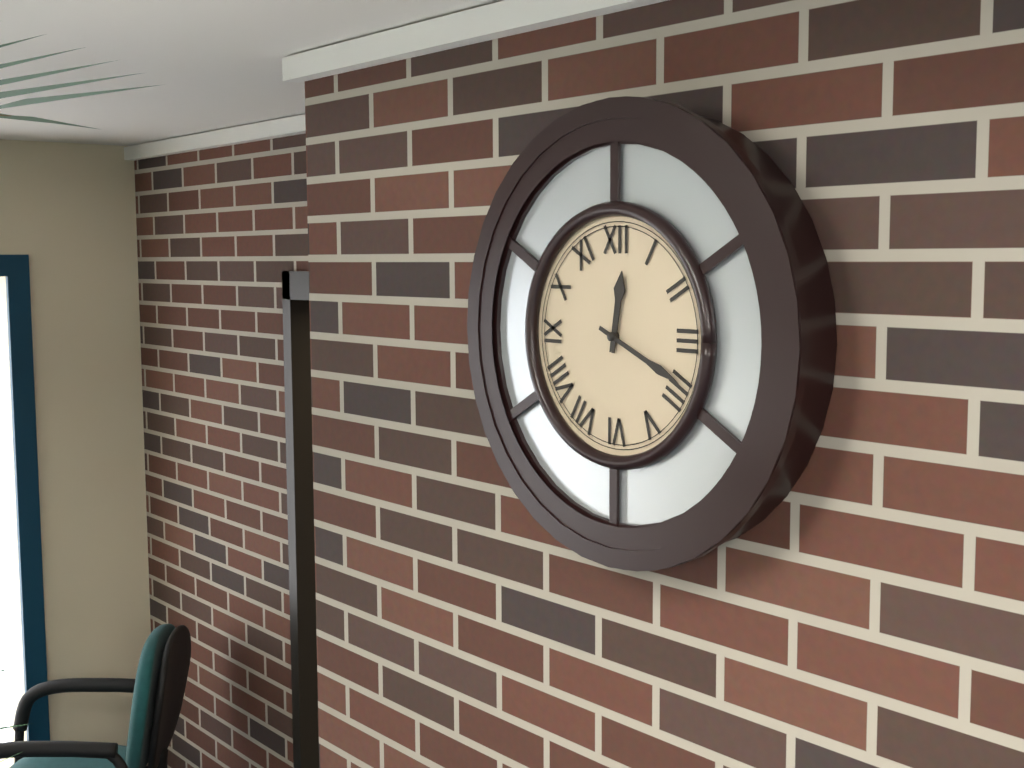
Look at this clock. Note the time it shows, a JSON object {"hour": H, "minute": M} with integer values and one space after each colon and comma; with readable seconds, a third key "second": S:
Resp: {"hour": 12, "minute": 19}
